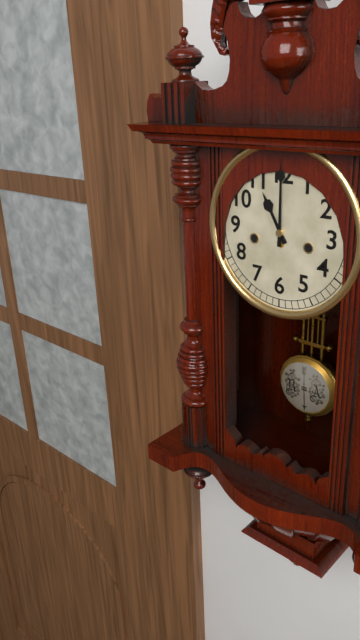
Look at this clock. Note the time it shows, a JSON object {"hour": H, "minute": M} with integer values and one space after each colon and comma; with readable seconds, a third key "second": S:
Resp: {"hour": 11, "minute": 0}
